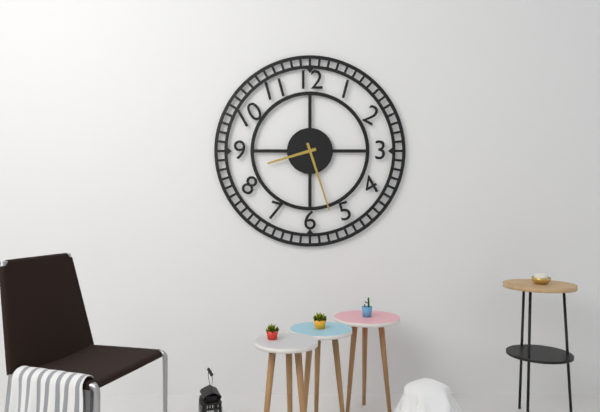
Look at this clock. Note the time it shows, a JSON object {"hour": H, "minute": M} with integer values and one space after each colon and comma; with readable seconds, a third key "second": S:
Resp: {"hour": 8, "minute": 27}
